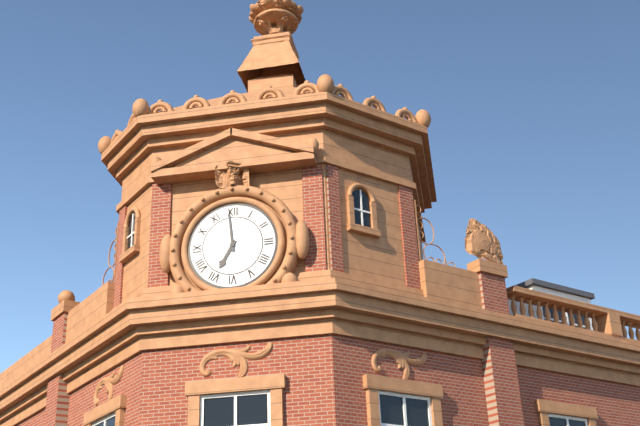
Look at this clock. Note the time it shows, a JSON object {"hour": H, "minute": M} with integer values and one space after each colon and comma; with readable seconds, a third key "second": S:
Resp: {"hour": 6, "minute": 59}
